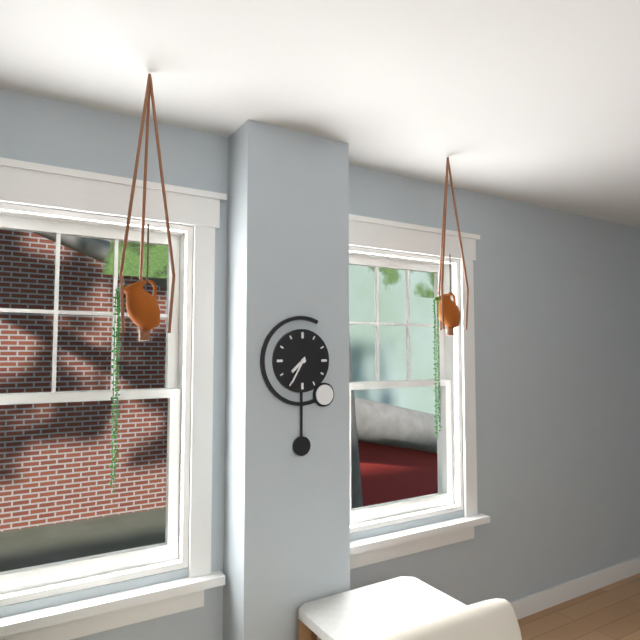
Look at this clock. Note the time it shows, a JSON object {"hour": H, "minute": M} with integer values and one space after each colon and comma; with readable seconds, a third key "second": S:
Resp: {"hour": 7, "minute": 35}
